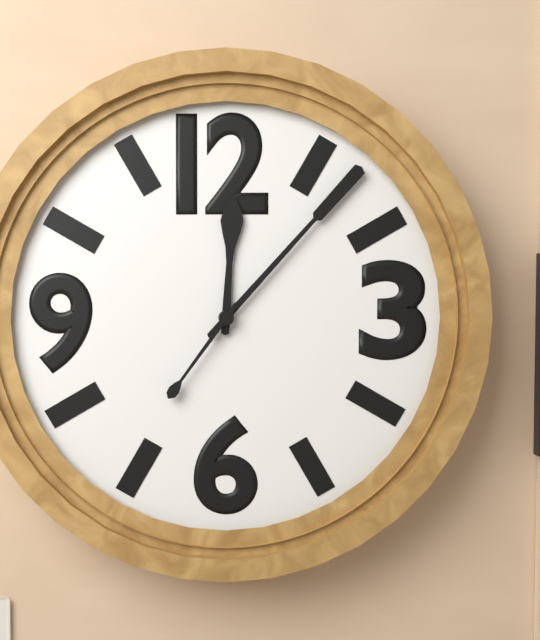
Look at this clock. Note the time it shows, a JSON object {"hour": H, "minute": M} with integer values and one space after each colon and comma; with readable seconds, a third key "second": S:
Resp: {"hour": 12, "minute": 7, "second": 36}
